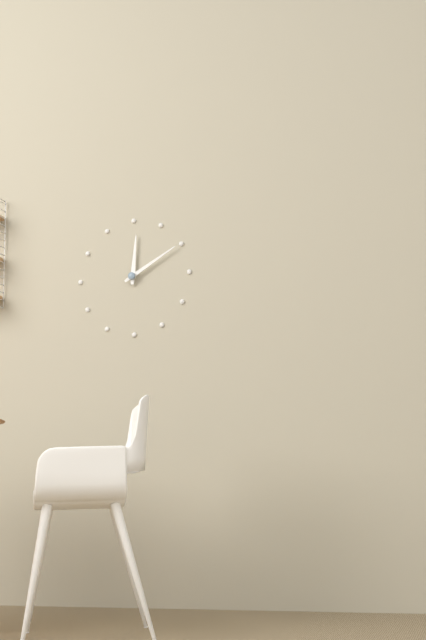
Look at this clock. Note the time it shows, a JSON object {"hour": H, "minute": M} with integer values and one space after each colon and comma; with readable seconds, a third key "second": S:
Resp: {"hour": 12, "minute": 10}
